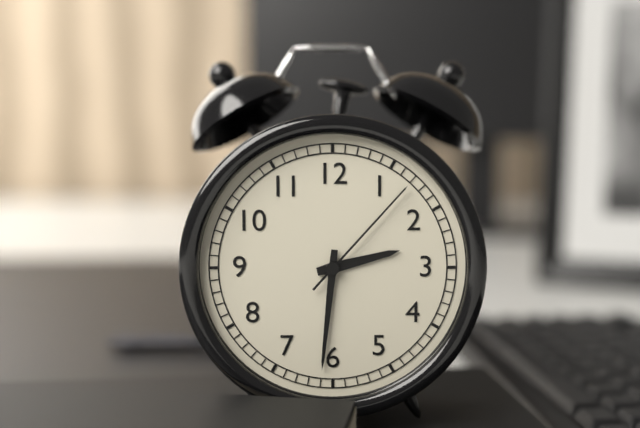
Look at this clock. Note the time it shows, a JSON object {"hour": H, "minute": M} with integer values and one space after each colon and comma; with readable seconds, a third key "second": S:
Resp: {"hour": 2, "minute": 31, "second": 7}
